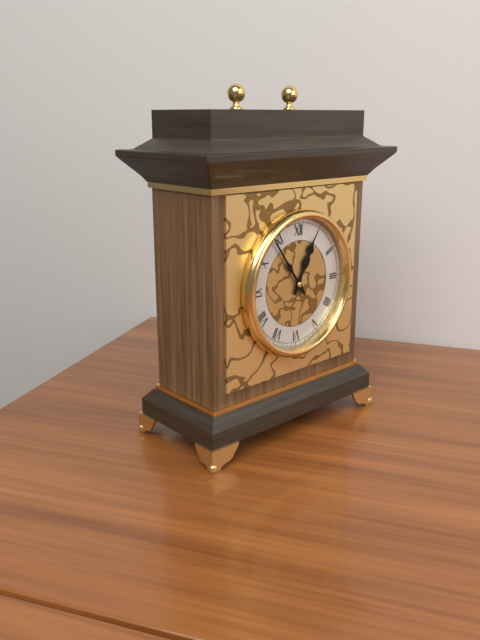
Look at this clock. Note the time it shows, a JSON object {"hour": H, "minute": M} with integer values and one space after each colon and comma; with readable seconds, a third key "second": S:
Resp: {"hour": 12, "minute": 54}
